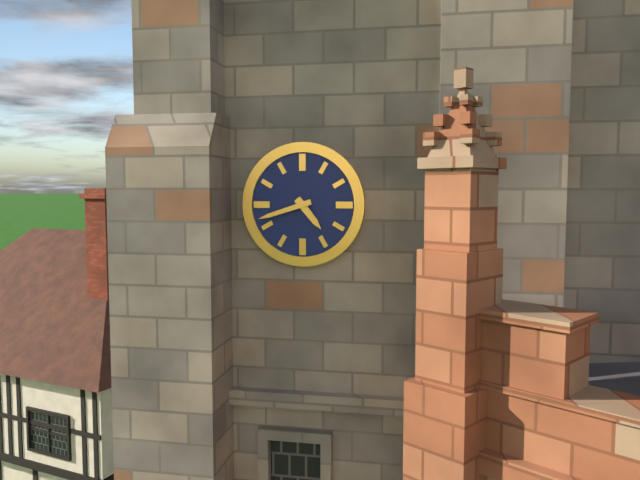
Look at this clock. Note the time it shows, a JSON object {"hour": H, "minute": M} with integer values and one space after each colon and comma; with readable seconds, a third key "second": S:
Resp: {"hour": 4, "minute": 42}
